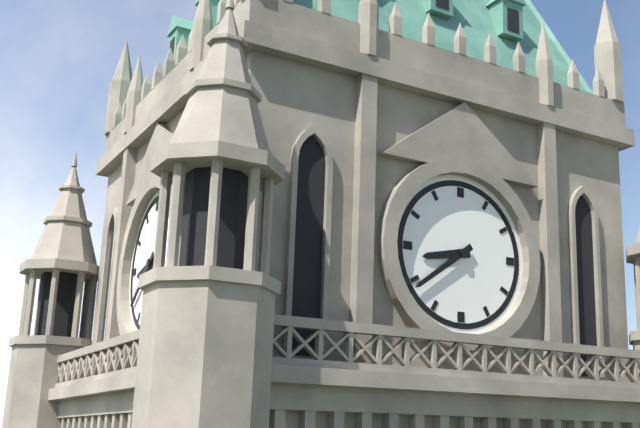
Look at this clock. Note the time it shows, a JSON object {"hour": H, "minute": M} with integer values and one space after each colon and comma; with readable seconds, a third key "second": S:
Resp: {"hour": 8, "minute": 39}
